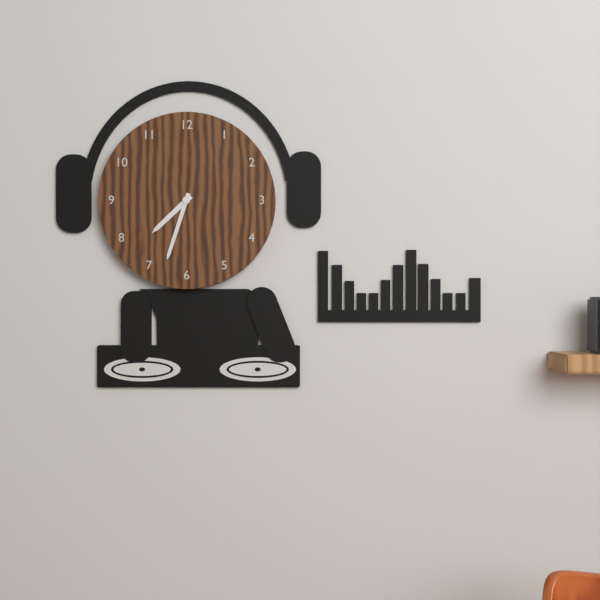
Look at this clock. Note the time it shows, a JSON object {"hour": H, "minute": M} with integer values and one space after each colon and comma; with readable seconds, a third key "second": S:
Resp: {"hour": 7, "minute": 33}
